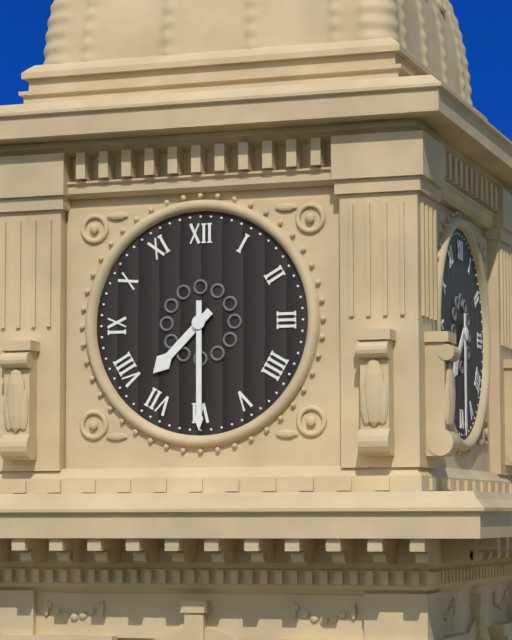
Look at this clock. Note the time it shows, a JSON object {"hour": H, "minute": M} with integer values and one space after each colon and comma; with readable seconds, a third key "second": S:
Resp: {"hour": 7, "minute": 30}
